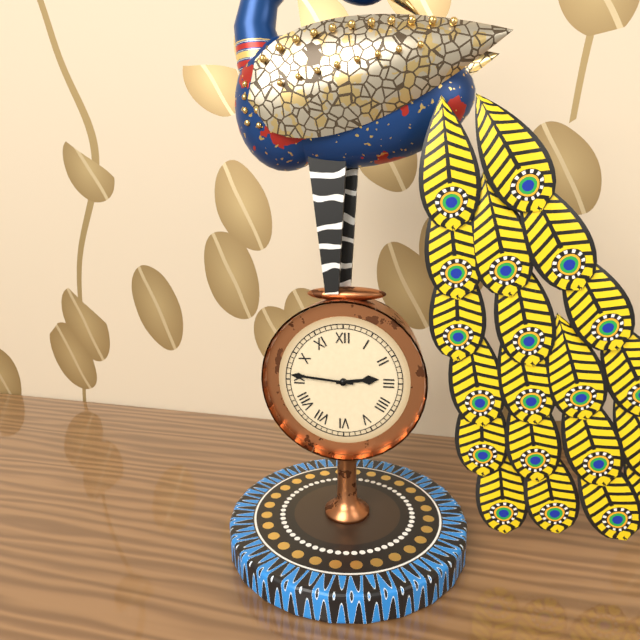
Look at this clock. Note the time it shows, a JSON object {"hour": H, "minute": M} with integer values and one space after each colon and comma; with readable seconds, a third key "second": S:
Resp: {"hour": 2, "minute": 46}
